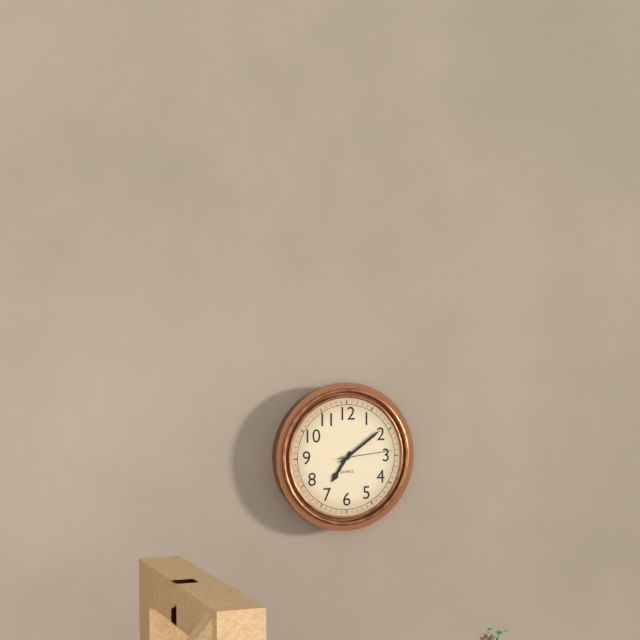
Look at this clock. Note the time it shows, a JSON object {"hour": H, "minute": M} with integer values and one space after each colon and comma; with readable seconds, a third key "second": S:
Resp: {"hour": 7, "minute": 9, "second": 14}
